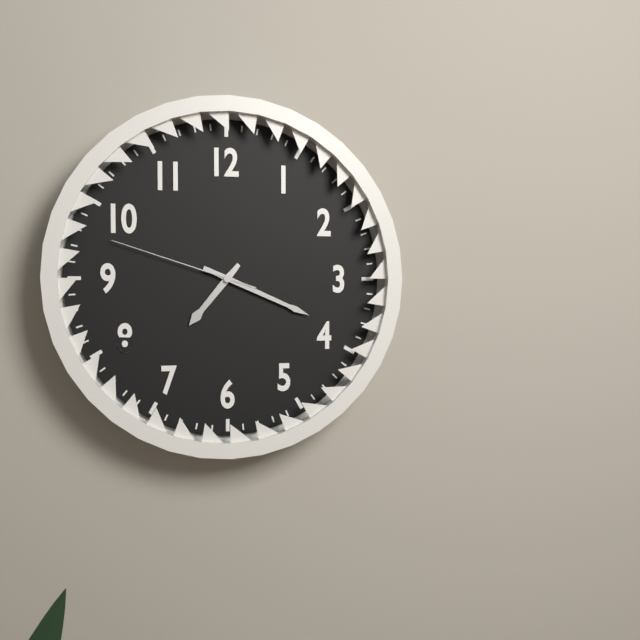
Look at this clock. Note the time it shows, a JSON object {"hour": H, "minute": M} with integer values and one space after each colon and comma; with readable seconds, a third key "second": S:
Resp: {"hour": 7, "minute": 19, "second": 48}
